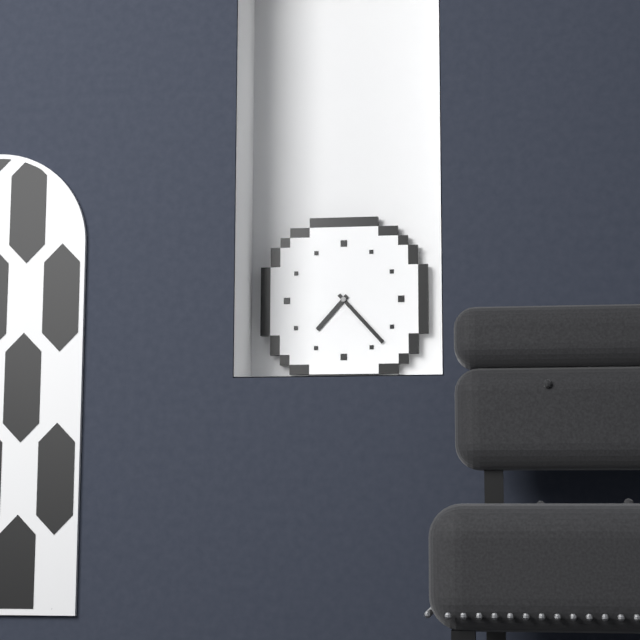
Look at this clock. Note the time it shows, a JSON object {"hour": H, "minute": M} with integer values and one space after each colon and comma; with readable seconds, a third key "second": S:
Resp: {"hour": 7, "minute": 23}
